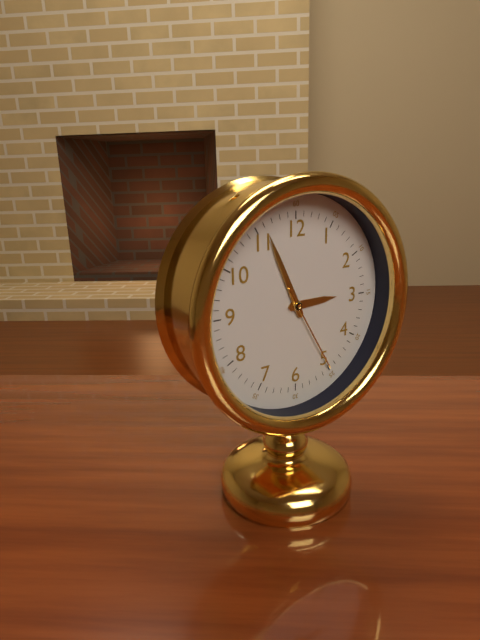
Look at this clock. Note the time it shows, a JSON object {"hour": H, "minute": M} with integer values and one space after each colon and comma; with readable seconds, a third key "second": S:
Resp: {"hour": 2, "minute": 56, "second": 25}
